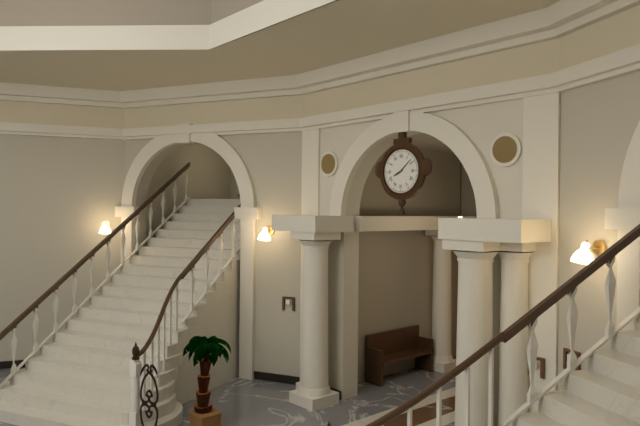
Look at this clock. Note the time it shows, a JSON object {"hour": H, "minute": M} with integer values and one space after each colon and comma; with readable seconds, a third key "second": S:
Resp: {"hour": 8, "minute": 8}
